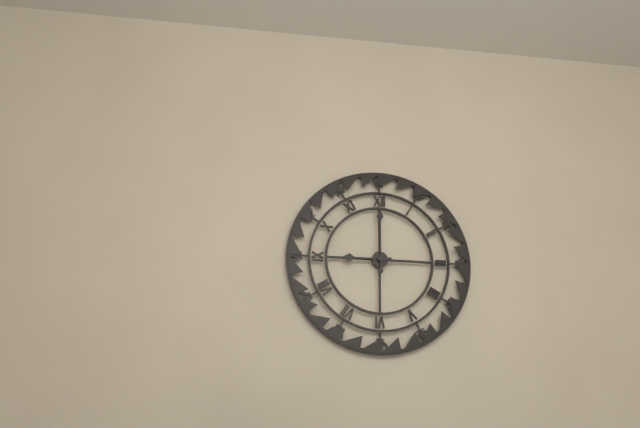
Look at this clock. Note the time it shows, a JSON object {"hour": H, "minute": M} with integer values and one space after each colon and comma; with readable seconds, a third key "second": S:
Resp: {"hour": 9, "minute": 0}
